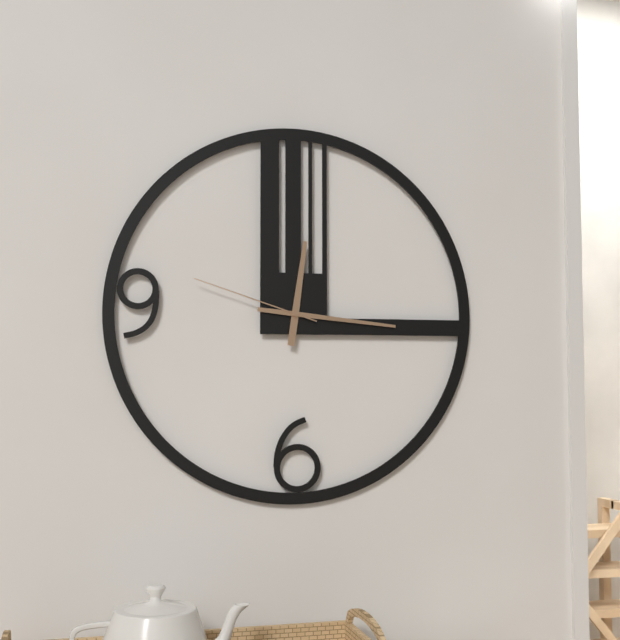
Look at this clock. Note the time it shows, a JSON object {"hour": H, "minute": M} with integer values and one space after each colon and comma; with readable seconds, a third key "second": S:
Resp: {"hour": 12, "minute": 16, "second": 48}
